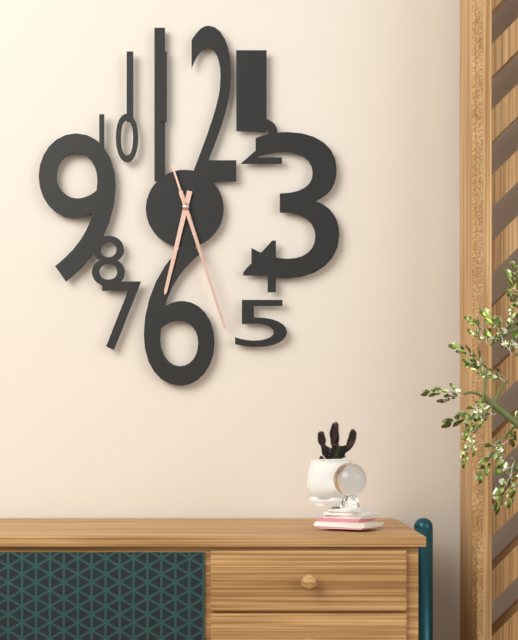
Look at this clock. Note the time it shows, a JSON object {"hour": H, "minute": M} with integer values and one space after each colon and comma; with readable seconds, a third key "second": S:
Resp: {"hour": 6, "minute": 27, "second": 27}
